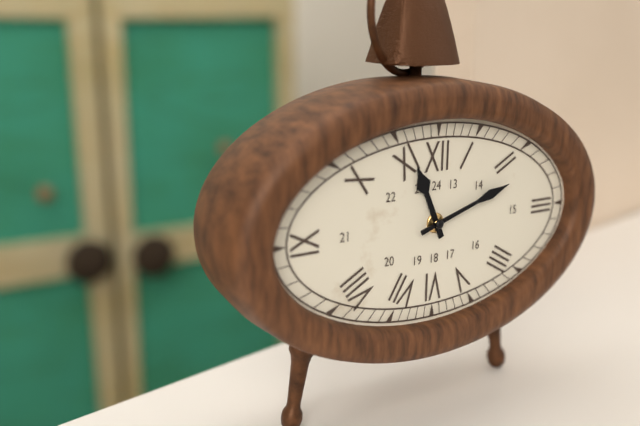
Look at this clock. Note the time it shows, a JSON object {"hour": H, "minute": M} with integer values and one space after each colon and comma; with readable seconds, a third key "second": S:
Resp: {"hour": 11, "minute": 12}
